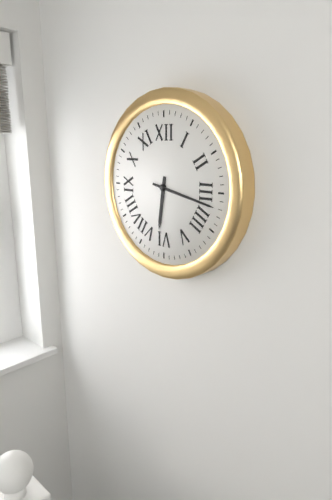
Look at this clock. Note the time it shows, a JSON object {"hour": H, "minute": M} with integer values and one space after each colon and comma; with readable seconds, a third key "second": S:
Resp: {"hour": 6, "minute": 17}
